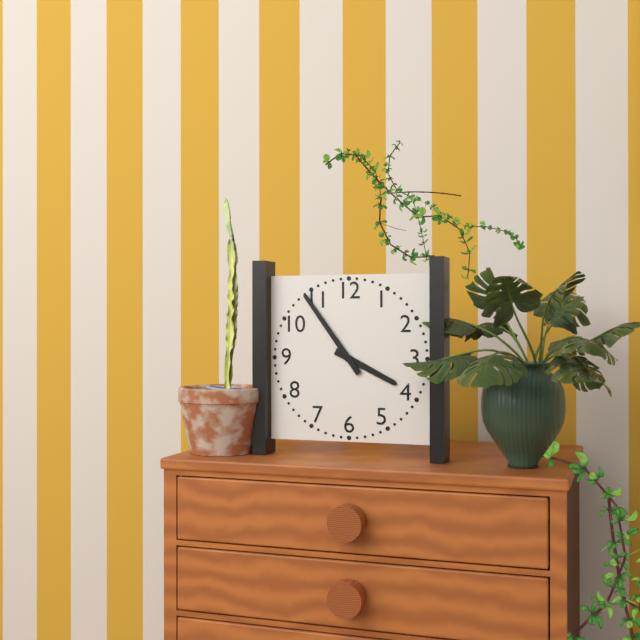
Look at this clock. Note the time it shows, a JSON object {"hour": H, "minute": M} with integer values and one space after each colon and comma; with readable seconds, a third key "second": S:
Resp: {"hour": 3, "minute": 54}
